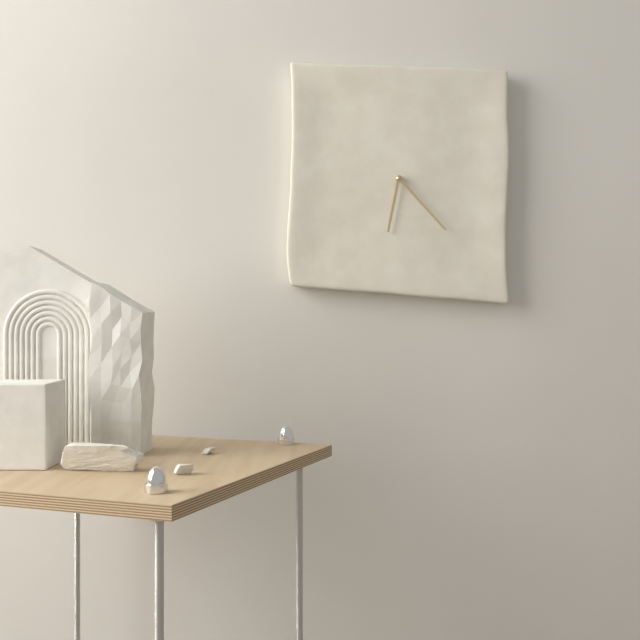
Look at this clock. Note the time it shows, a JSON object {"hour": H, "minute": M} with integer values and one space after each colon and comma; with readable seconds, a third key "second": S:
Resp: {"hour": 6, "minute": 23}
